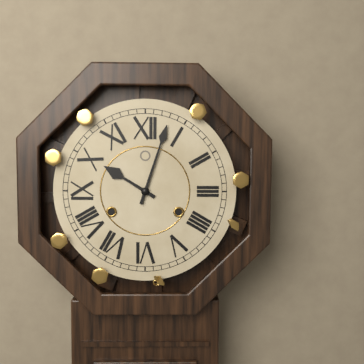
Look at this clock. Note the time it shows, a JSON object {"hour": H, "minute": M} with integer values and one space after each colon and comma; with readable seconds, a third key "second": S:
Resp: {"hour": 10, "minute": 3}
